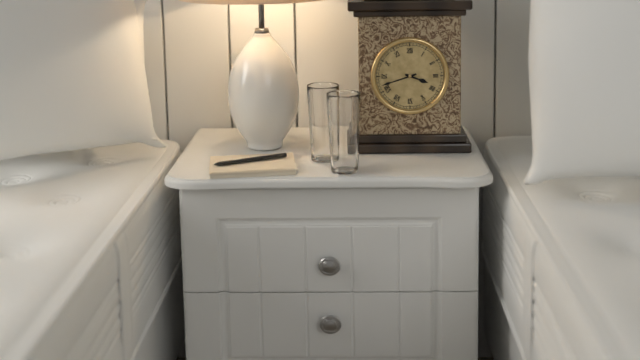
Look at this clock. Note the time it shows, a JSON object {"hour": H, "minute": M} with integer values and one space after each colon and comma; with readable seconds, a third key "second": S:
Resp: {"hour": 3, "minute": 42}
